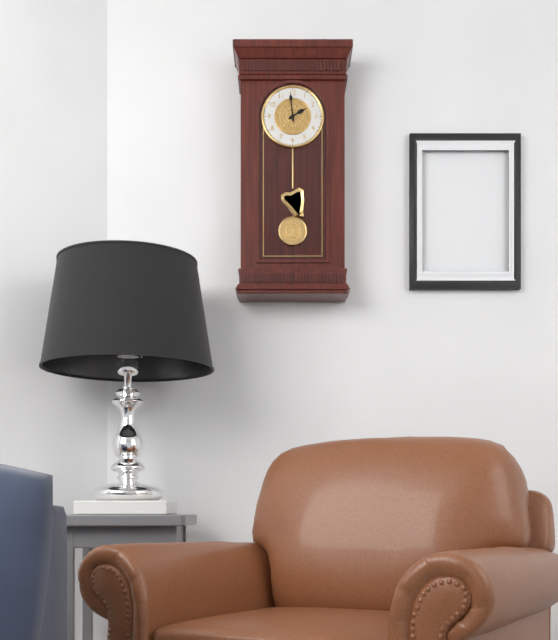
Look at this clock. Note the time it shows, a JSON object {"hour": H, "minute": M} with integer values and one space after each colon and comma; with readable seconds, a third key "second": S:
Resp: {"hour": 1, "minute": 59}
